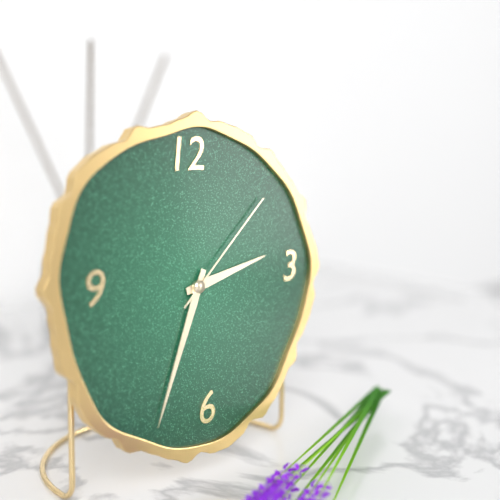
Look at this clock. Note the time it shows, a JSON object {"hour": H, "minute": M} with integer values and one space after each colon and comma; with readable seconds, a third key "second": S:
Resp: {"hour": 2, "minute": 34, "second": 8}
